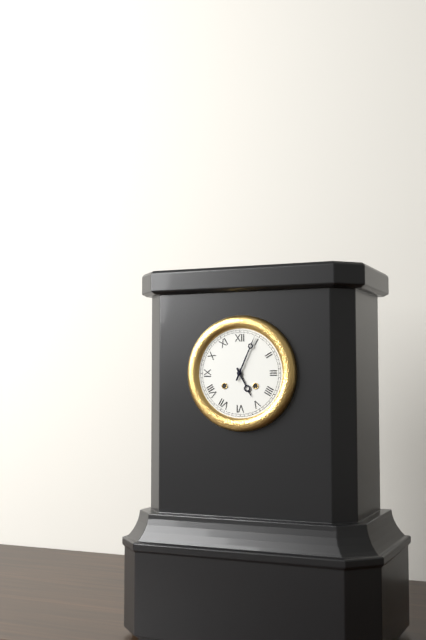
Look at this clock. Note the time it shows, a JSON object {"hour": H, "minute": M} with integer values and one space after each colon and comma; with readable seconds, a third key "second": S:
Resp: {"hour": 5, "minute": 4}
